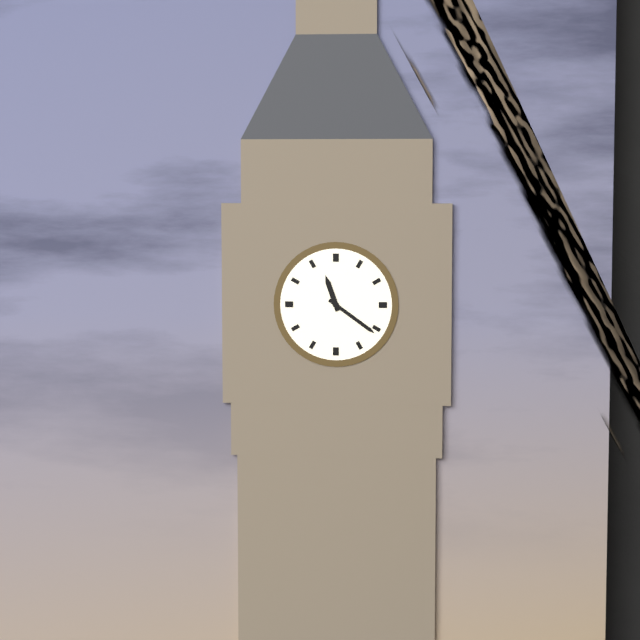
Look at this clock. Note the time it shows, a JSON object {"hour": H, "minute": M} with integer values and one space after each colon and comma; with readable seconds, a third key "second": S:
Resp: {"hour": 11, "minute": 21}
